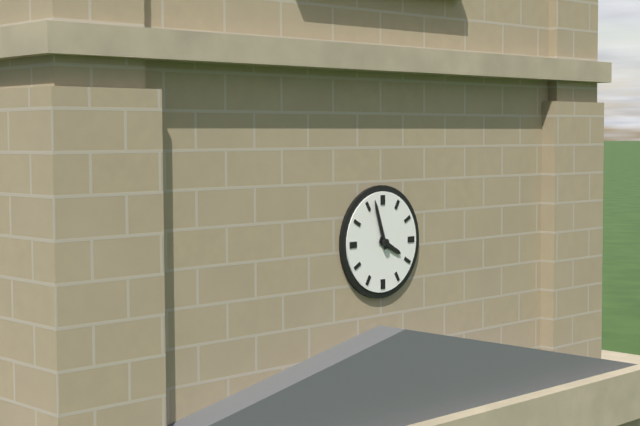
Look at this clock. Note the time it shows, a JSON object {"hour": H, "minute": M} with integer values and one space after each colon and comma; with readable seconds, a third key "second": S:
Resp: {"hour": 3, "minute": 57}
